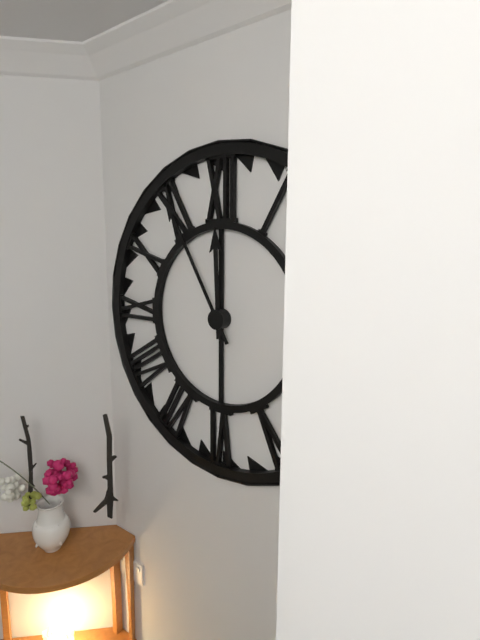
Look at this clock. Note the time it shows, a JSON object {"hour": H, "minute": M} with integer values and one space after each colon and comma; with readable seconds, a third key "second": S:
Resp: {"hour": 11, "minute": 55}
